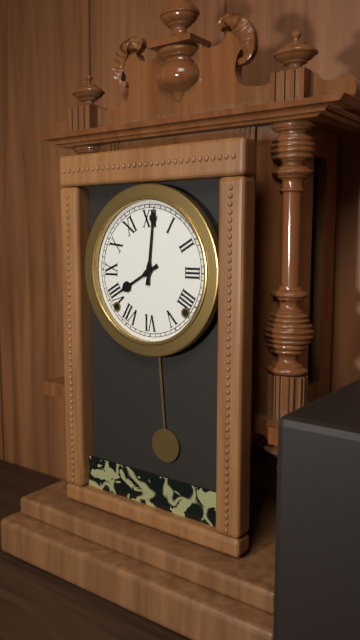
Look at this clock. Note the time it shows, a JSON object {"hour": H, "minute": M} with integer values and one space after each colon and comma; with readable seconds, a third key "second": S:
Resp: {"hour": 8, "minute": 1}
